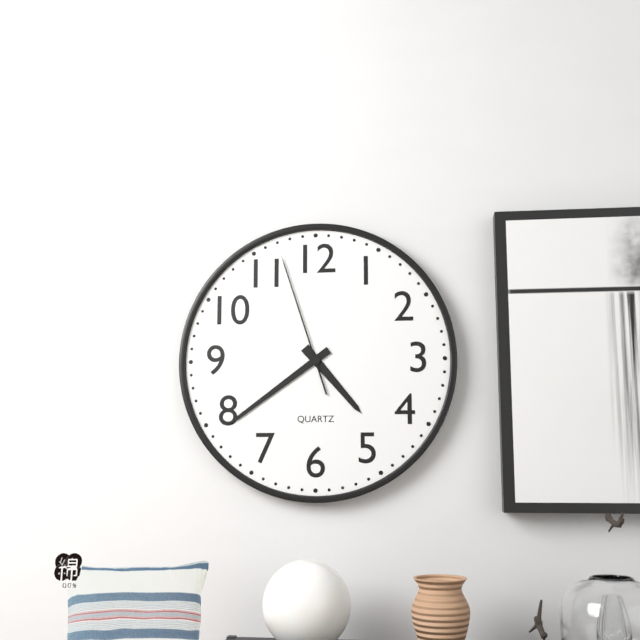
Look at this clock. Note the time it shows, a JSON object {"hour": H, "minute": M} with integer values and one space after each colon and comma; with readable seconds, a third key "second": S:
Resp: {"hour": 4, "minute": 39, "second": 57}
